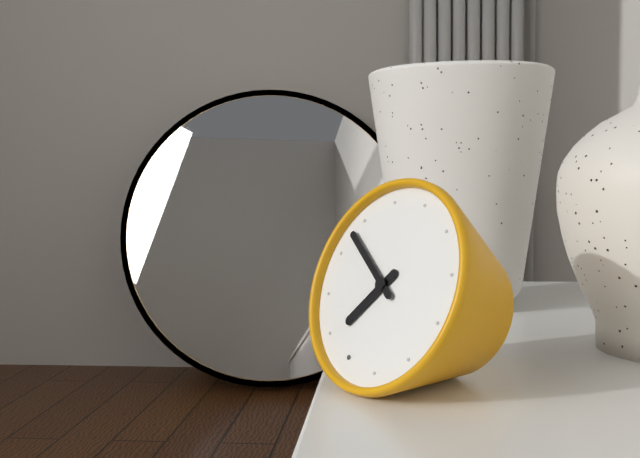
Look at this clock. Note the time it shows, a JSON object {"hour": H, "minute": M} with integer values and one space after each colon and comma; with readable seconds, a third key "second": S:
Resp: {"hour": 6, "minute": 48}
